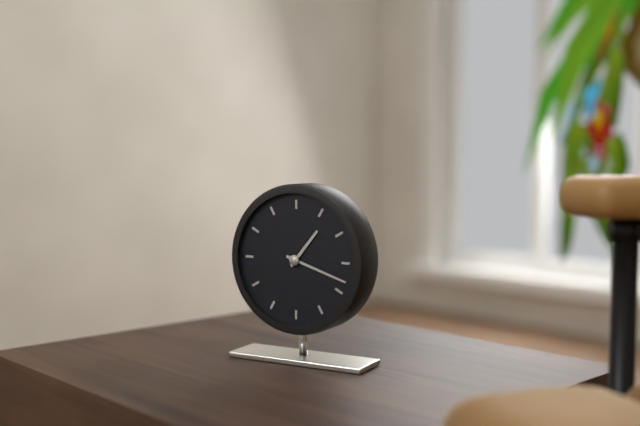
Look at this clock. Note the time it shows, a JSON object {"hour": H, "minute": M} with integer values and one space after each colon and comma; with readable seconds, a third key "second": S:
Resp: {"hour": 1, "minute": 18}
